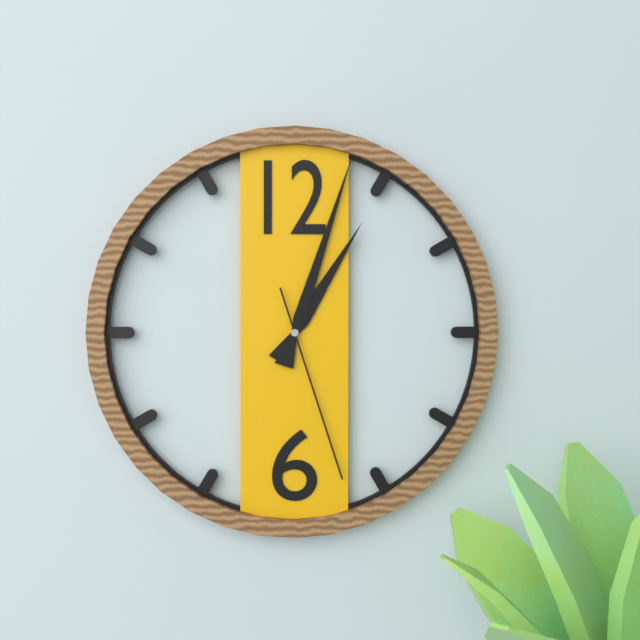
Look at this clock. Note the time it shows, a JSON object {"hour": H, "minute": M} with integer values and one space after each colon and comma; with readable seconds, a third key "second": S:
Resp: {"hour": 1, "minute": 3, "second": 27}
